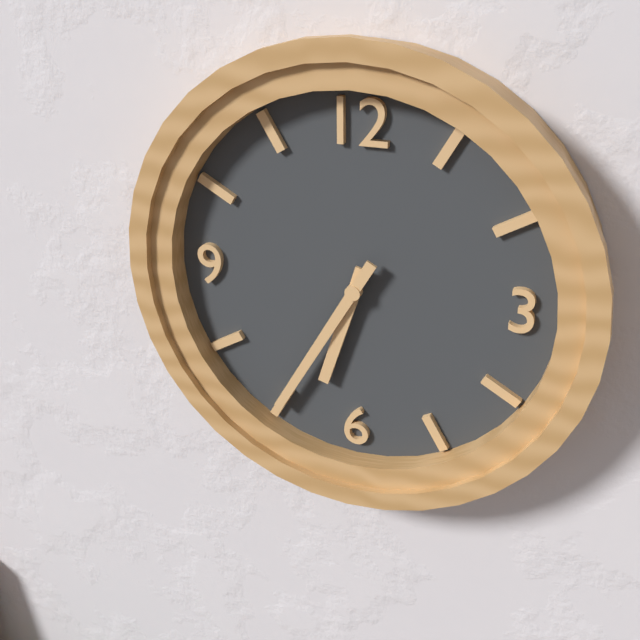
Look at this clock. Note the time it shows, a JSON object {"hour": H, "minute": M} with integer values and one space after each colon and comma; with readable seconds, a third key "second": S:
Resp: {"hour": 6, "minute": 35}
